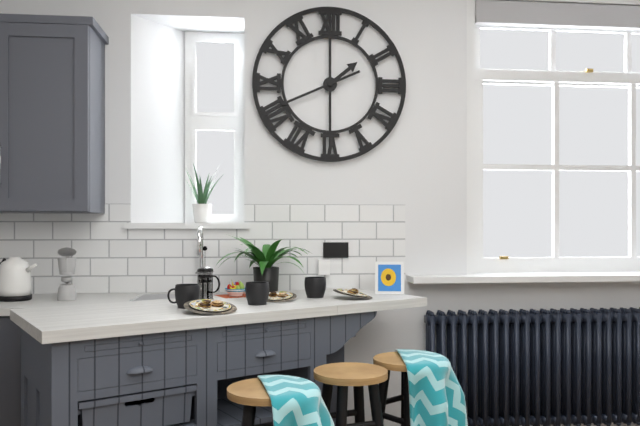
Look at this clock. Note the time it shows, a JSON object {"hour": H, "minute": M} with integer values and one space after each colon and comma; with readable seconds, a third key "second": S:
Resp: {"hour": 1, "minute": 41}
